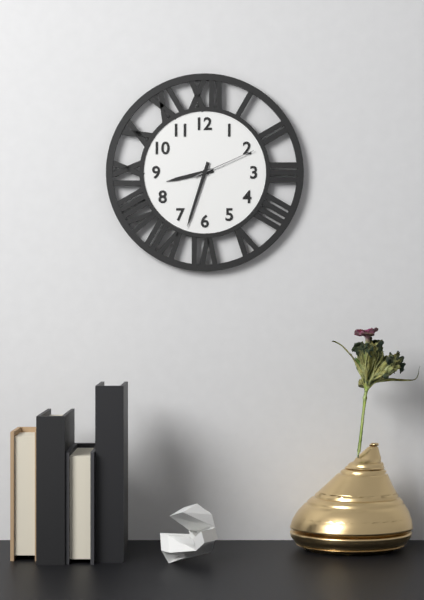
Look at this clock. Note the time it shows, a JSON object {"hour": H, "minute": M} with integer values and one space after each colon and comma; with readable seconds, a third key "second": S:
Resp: {"hour": 8, "minute": 33, "second": 11}
